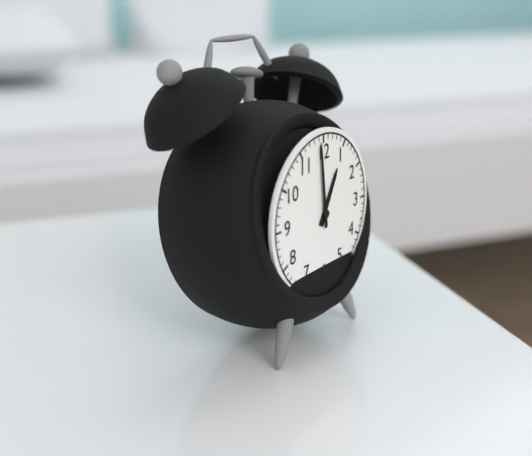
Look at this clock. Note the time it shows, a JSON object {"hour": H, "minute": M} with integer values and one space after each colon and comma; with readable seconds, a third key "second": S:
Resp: {"hour": 12, "minute": 59}
